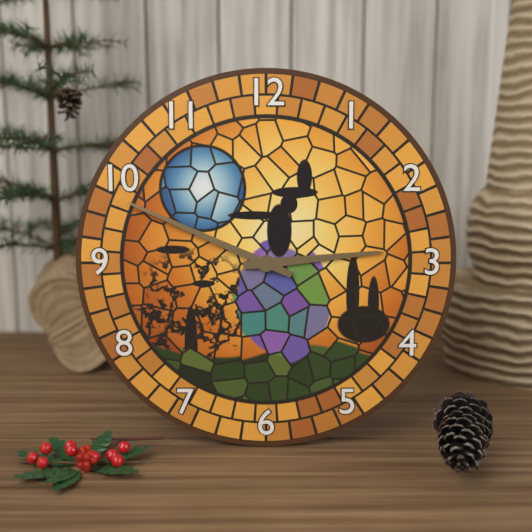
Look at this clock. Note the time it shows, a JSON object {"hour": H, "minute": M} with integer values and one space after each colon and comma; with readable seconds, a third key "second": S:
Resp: {"hour": 2, "minute": 49}
